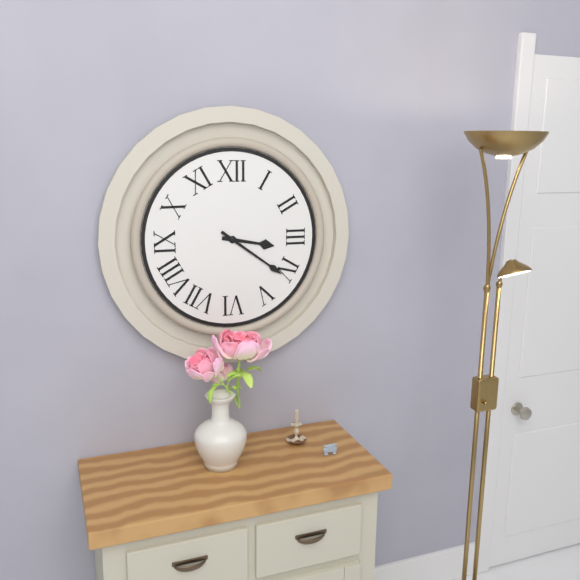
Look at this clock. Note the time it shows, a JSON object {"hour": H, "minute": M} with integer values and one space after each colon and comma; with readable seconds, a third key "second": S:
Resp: {"hour": 3, "minute": 21}
